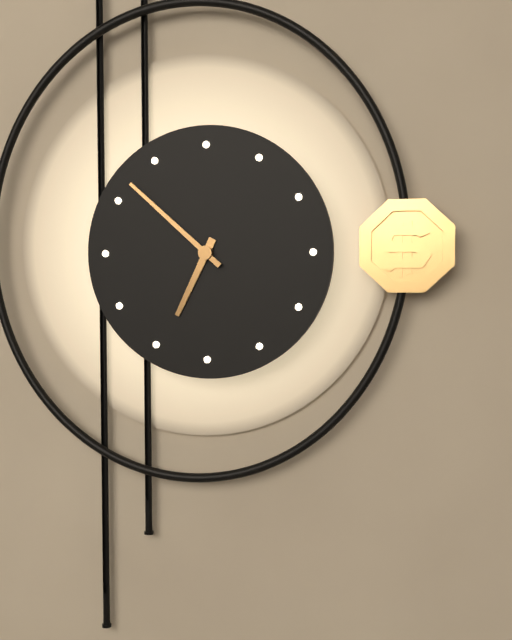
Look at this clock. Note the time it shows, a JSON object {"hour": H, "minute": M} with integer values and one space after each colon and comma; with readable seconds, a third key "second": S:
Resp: {"hour": 6, "minute": 52}
